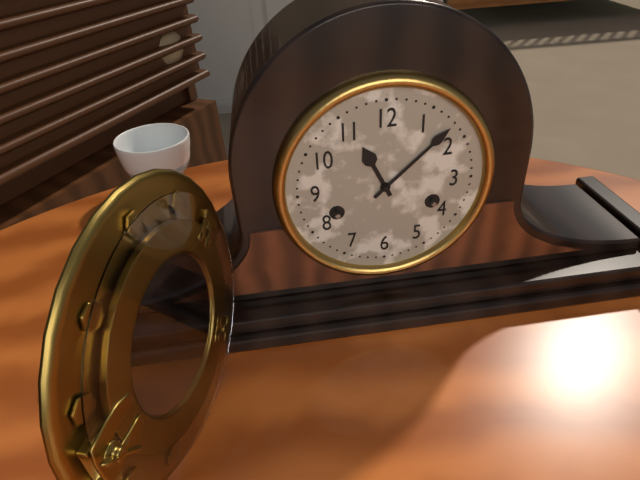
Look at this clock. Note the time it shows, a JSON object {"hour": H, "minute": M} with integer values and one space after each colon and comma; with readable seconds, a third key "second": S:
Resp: {"hour": 11, "minute": 8}
